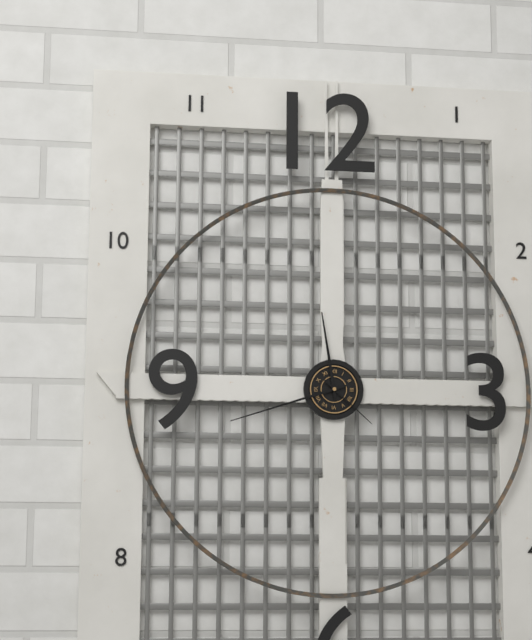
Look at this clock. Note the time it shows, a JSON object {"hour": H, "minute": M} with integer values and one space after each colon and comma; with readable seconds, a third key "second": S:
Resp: {"hour": 11, "minute": 42, "second": 22}
